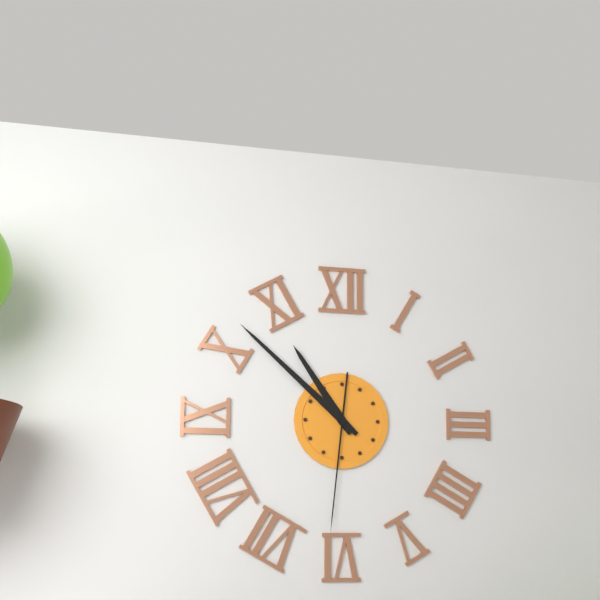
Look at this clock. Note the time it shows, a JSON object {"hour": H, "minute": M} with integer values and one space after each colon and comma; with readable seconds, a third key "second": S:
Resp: {"hour": 10, "minute": 52, "second": 31}
